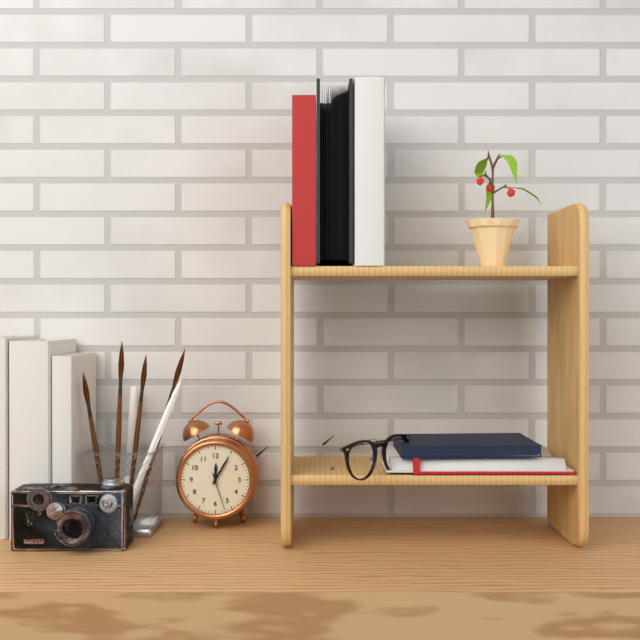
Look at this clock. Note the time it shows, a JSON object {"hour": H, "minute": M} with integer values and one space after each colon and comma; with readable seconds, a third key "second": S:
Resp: {"hour": 12, "minute": 5}
